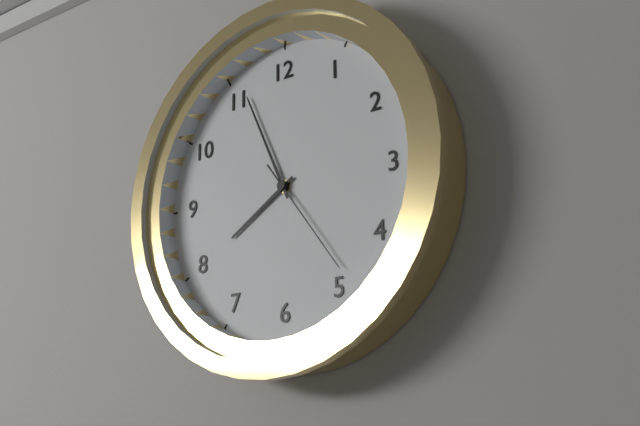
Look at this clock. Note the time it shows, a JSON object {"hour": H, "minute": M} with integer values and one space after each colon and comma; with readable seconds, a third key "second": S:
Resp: {"hour": 7, "minute": 56, "second": 24}
